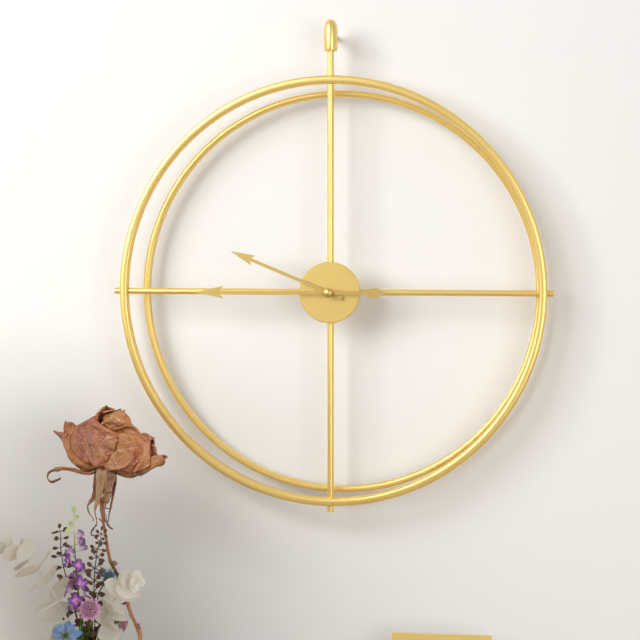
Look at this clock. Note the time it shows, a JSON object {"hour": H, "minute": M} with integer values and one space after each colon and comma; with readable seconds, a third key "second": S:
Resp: {"hour": 9, "minute": 45}
